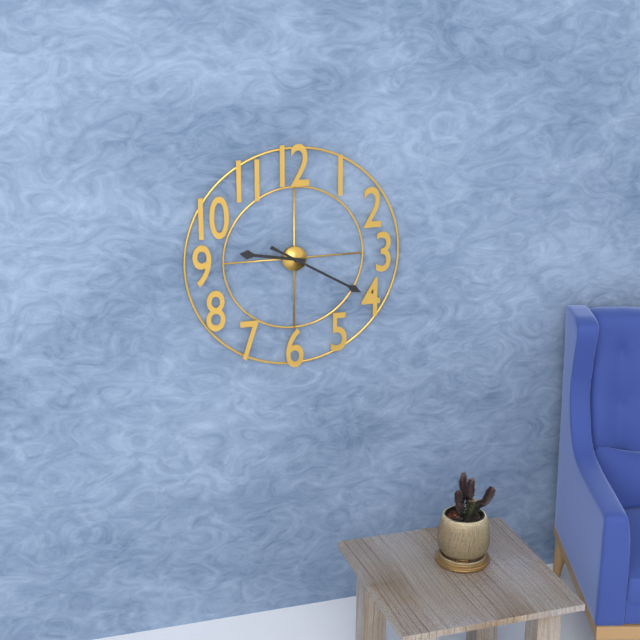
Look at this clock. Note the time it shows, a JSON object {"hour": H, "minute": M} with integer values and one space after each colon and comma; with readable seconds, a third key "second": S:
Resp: {"hour": 9, "minute": 20}
